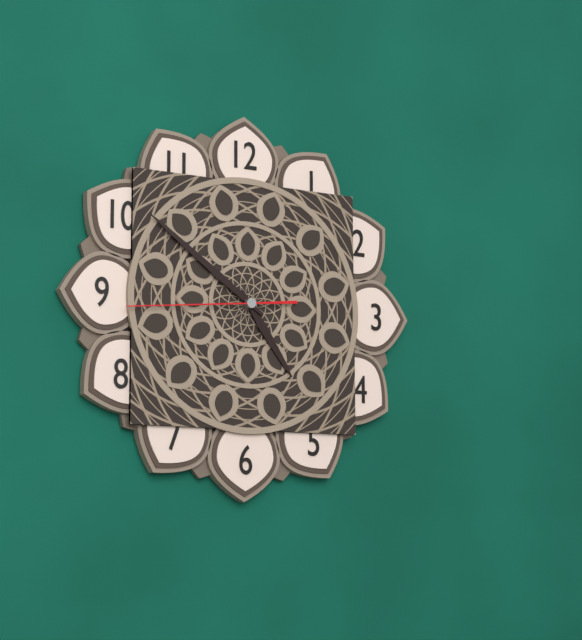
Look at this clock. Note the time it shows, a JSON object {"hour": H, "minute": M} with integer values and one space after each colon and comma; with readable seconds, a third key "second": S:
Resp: {"hour": 4, "minute": 51, "second": 44}
